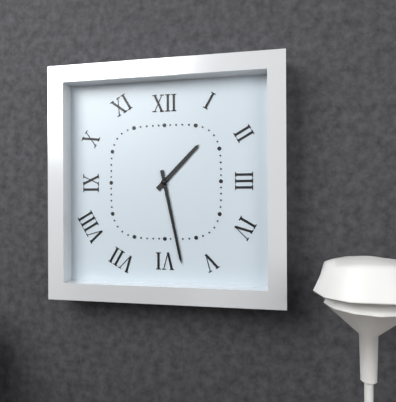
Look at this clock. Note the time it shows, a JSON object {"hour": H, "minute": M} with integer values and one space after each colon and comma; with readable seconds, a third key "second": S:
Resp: {"hour": 1, "minute": 28}
